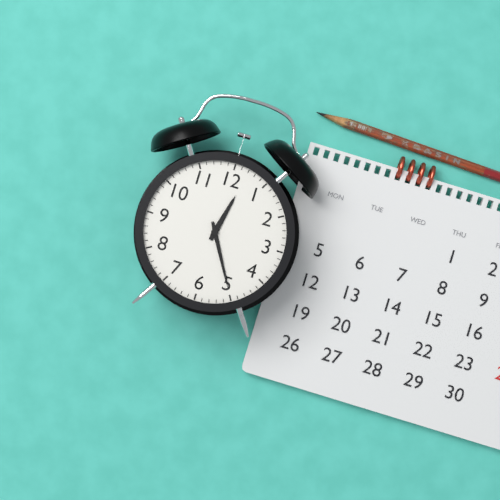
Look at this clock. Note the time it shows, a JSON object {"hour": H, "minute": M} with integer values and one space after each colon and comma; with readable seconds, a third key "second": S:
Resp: {"hour": 12, "minute": 25}
